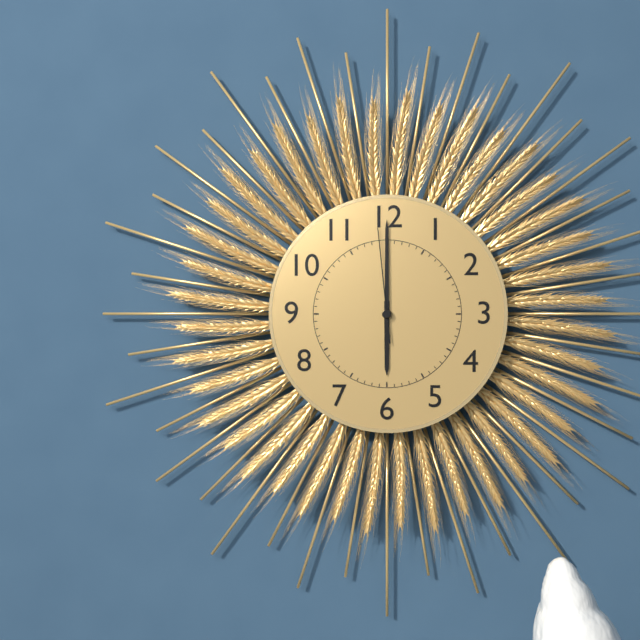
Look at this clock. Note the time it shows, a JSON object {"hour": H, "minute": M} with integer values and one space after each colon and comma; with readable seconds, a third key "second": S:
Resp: {"hour": 6, "minute": 0, "second": 59}
